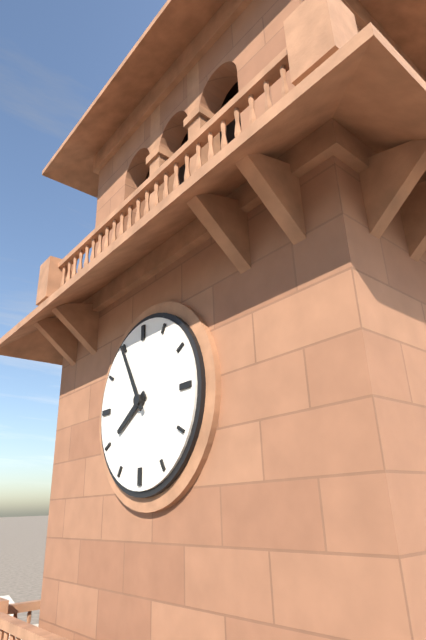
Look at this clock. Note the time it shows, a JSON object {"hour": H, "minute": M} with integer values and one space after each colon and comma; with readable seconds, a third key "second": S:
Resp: {"hour": 7, "minute": 55}
